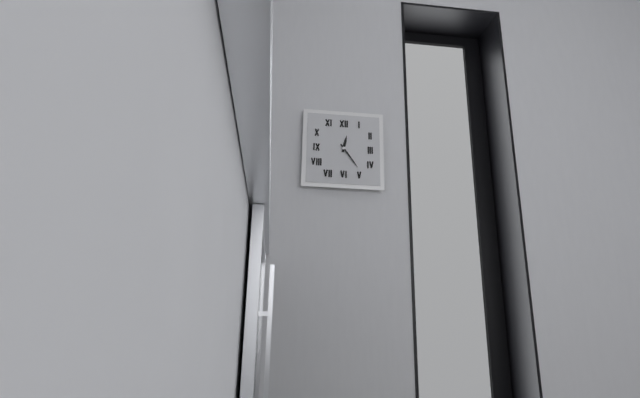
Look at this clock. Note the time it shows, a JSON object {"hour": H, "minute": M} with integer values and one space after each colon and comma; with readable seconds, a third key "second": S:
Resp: {"hour": 12, "minute": 24}
